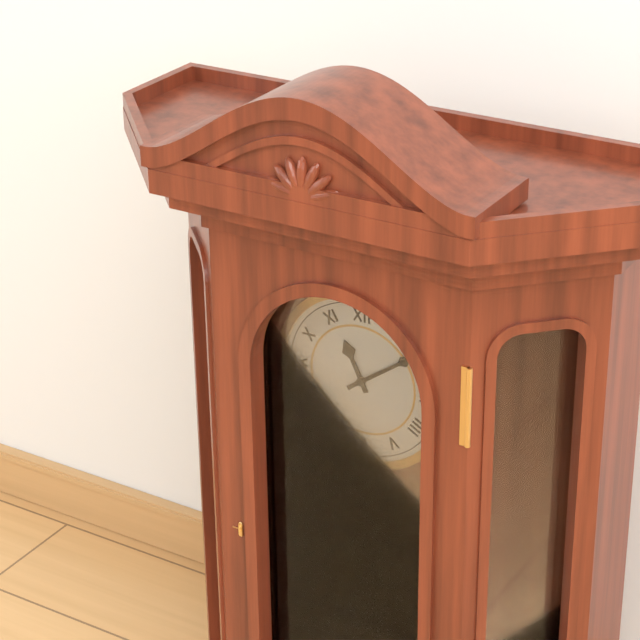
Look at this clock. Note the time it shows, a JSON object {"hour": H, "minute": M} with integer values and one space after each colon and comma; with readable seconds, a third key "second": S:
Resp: {"hour": 11, "minute": 9}
